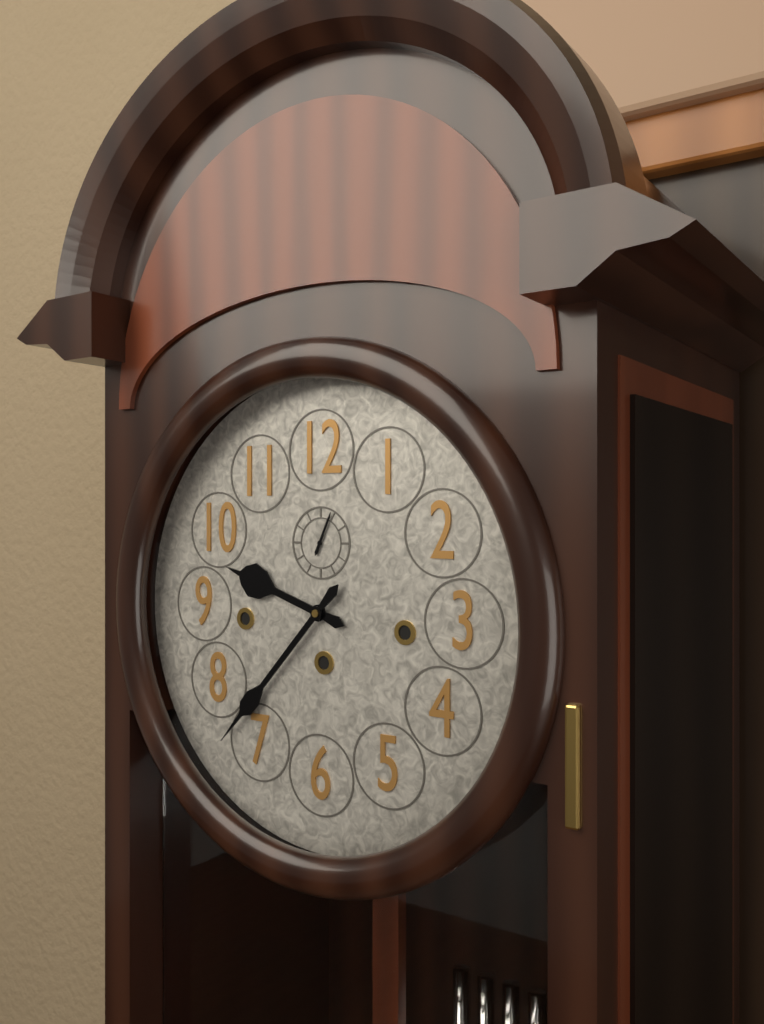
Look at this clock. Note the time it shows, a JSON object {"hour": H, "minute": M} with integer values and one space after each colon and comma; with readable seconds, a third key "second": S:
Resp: {"hour": 9, "minute": 37, "second": 4}
